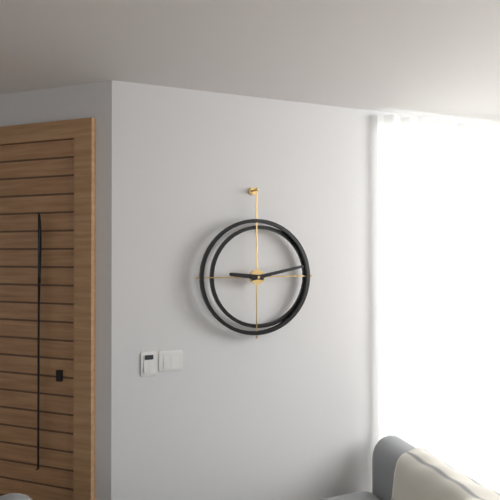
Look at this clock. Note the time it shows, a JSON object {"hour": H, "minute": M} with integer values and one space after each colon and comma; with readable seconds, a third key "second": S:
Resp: {"hour": 9, "minute": 13}
